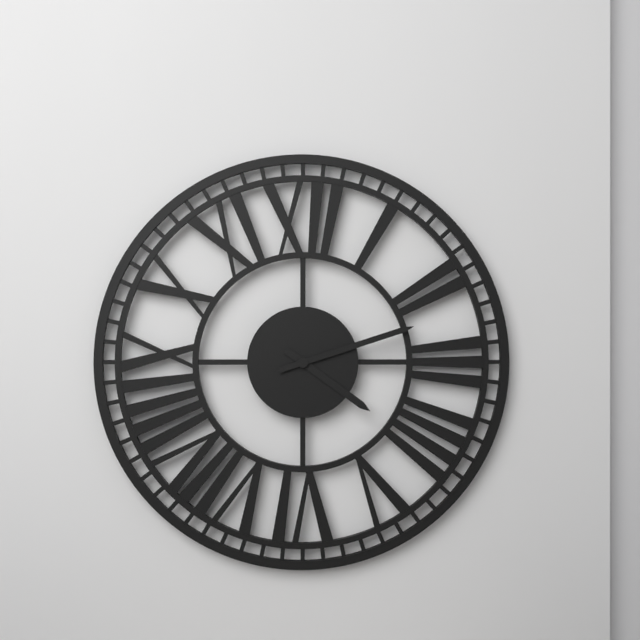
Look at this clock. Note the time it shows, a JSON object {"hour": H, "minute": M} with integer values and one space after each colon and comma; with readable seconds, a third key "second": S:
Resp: {"hour": 4, "minute": 12}
